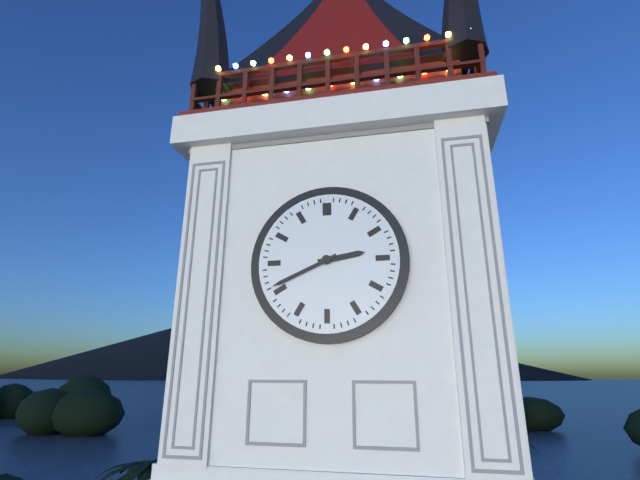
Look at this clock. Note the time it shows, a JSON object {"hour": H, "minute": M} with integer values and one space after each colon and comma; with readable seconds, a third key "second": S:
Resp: {"hour": 2, "minute": 41}
